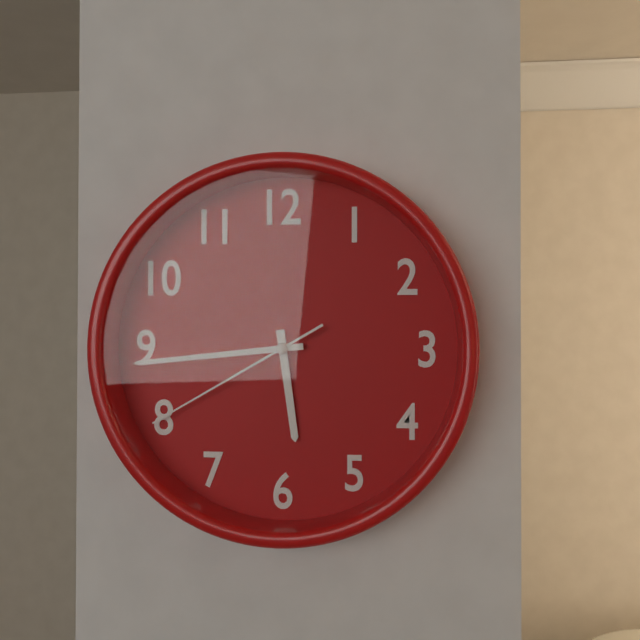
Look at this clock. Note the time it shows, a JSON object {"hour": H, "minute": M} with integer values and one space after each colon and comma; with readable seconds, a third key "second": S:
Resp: {"hour": 5, "minute": 44, "second": 40}
